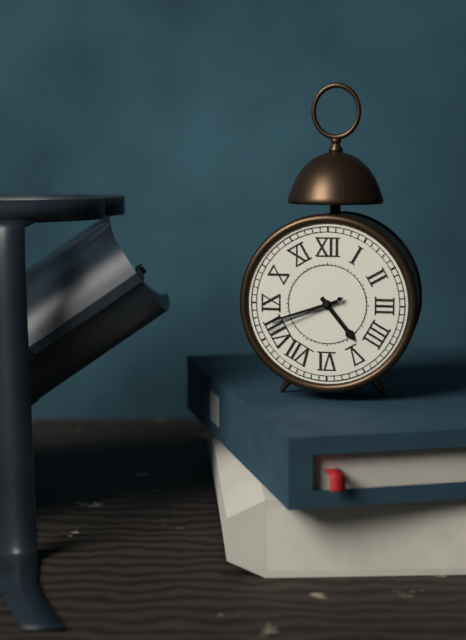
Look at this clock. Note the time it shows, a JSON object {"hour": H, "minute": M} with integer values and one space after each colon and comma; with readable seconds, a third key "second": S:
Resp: {"hour": 4, "minute": 42, "second": 41}
